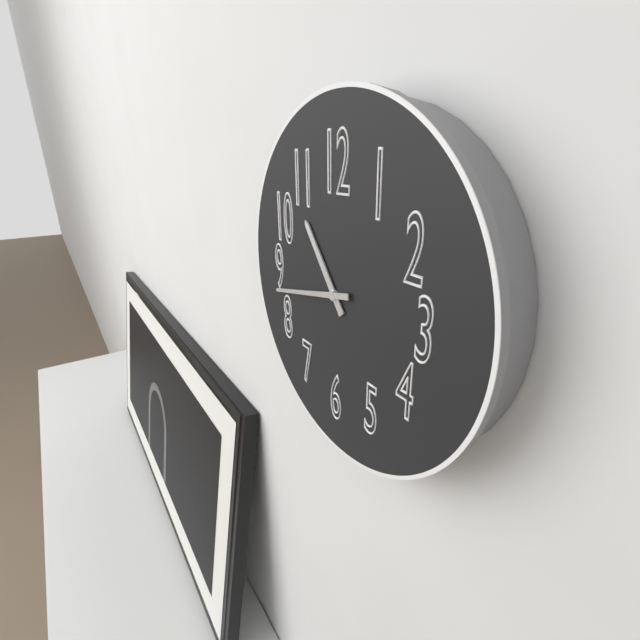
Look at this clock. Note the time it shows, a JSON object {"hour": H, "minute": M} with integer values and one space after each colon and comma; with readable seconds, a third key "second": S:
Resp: {"hour": 10, "minute": 43}
